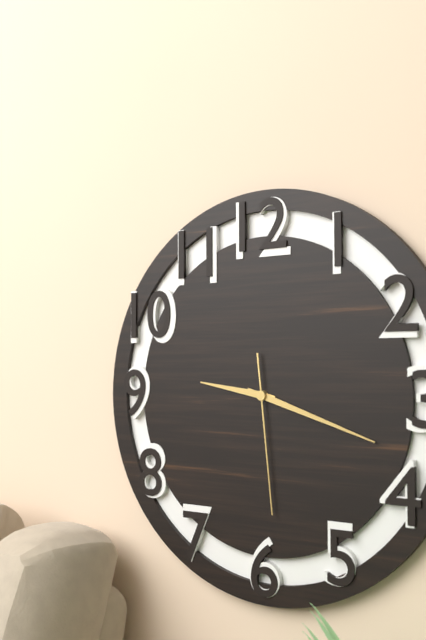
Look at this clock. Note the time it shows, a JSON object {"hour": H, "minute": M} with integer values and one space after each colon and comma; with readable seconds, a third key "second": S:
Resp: {"hour": 9, "minute": 18, "second": 29}
